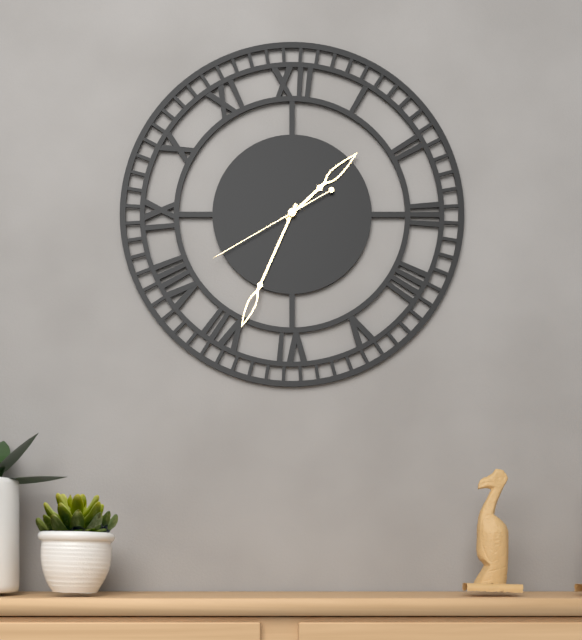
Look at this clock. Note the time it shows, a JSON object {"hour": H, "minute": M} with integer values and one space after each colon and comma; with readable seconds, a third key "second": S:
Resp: {"hour": 1, "minute": 34, "second": 40}
